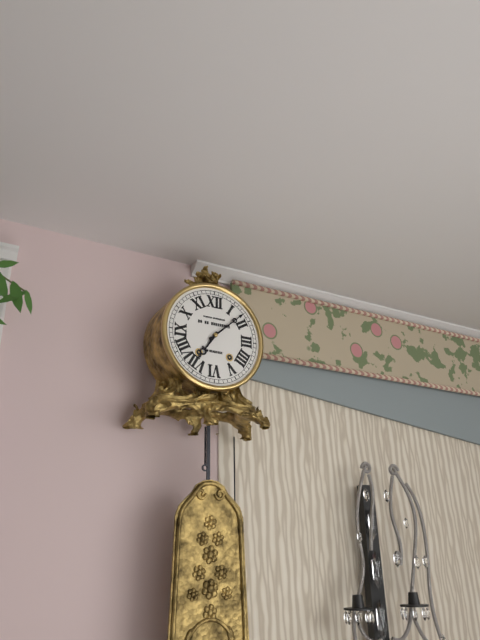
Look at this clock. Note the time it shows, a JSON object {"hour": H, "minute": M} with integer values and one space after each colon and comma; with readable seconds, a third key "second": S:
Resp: {"hour": 7, "minute": 8}
